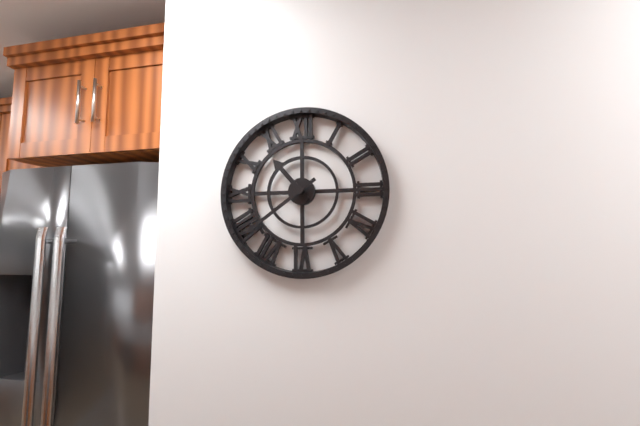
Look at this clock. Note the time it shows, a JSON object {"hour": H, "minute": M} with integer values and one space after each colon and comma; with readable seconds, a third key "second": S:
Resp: {"hour": 10, "minute": 39}
